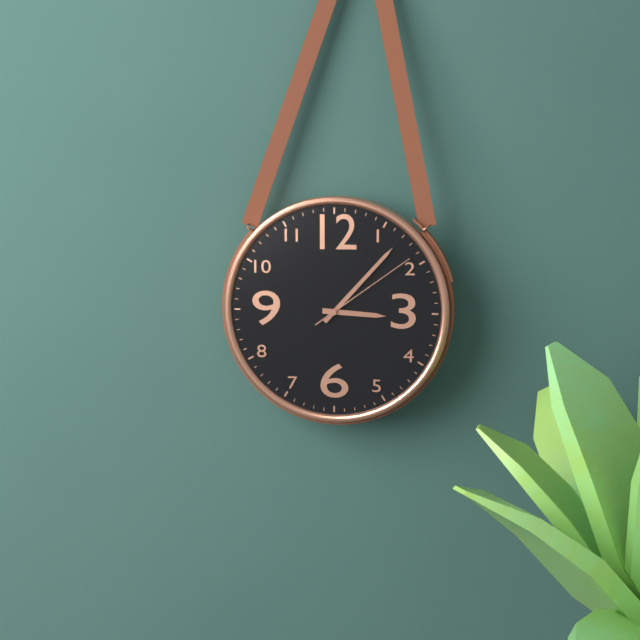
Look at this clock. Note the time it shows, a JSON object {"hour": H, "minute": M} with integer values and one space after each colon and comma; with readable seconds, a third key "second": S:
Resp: {"hour": 3, "minute": 7, "second": 9}
